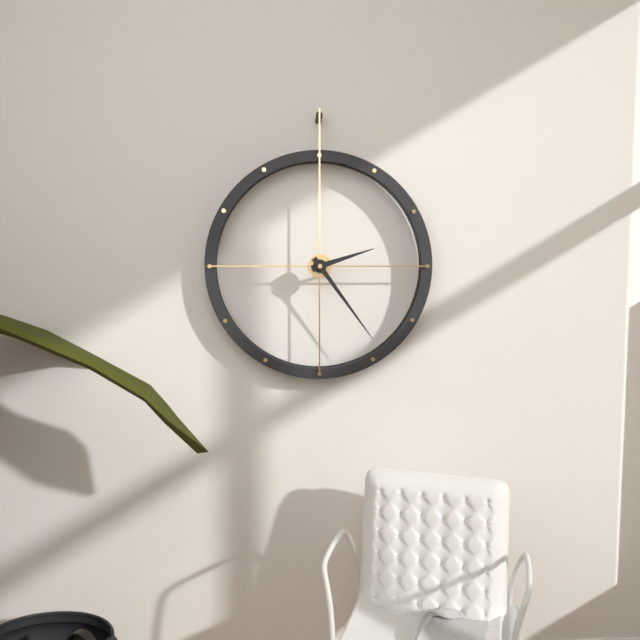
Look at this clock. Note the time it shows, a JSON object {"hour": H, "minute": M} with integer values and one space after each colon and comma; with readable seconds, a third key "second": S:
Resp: {"hour": 2, "minute": 24}
